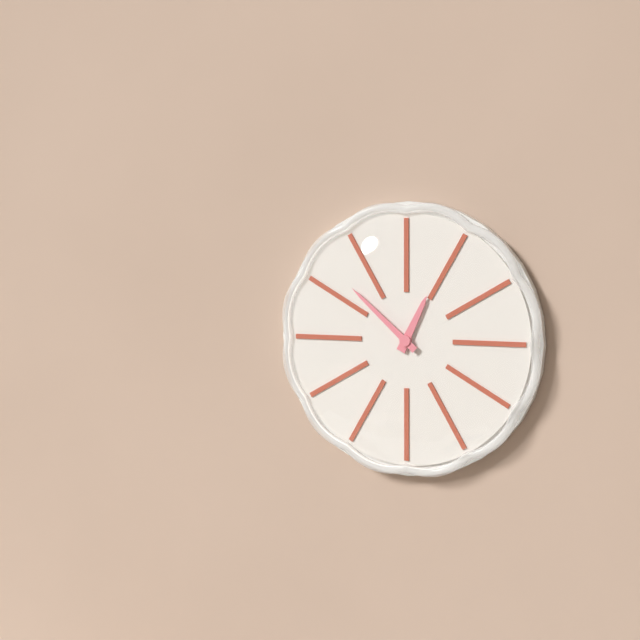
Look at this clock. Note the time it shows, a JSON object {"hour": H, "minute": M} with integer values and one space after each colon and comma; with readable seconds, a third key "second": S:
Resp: {"hour": 12, "minute": 52}
